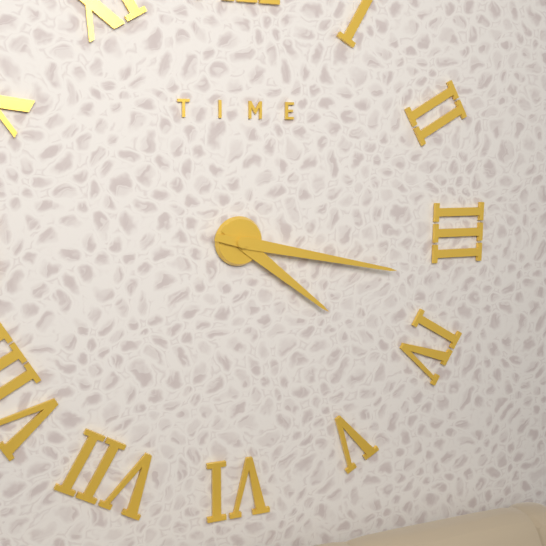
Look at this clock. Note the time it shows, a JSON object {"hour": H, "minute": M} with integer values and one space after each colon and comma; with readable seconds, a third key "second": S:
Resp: {"hour": 4, "minute": 17}
